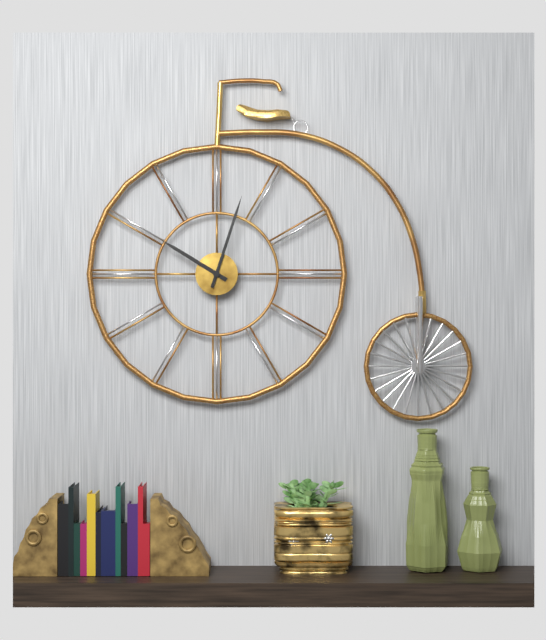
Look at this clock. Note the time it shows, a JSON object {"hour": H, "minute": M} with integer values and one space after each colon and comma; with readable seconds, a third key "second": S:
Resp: {"hour": 10, "minute": 3}
